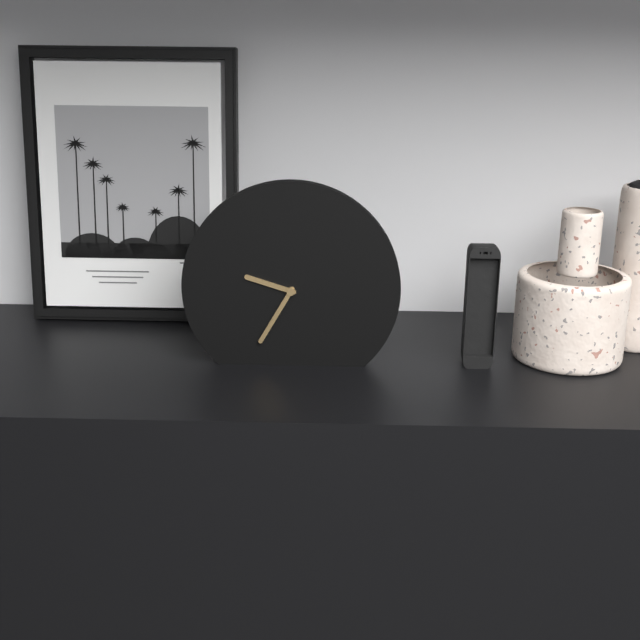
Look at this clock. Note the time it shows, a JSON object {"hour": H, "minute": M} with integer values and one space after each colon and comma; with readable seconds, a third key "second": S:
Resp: {"hour": 9, "minute": 35}
